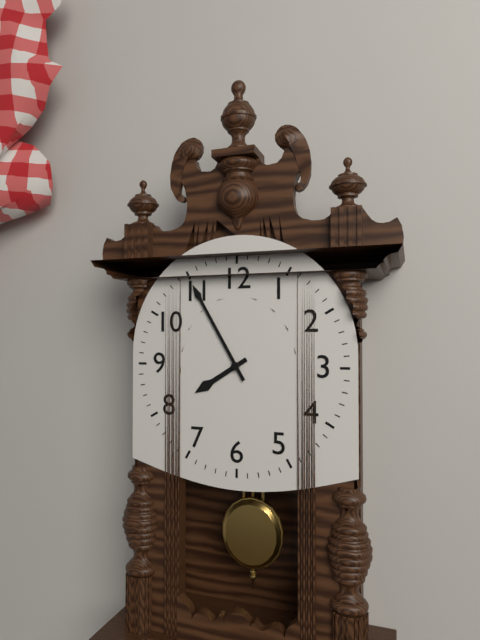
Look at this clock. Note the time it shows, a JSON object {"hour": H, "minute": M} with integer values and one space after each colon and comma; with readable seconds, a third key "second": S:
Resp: {"hour": 7, "minute": 55}
